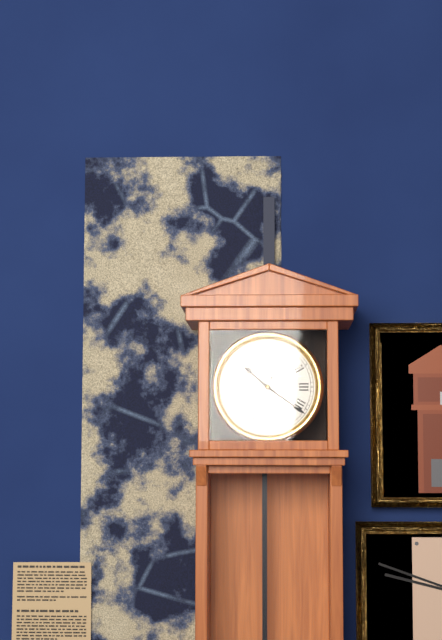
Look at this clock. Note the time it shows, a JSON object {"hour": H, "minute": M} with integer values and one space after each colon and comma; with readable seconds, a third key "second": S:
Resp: {"hour": 10, "minute": 21, "second": 34}
